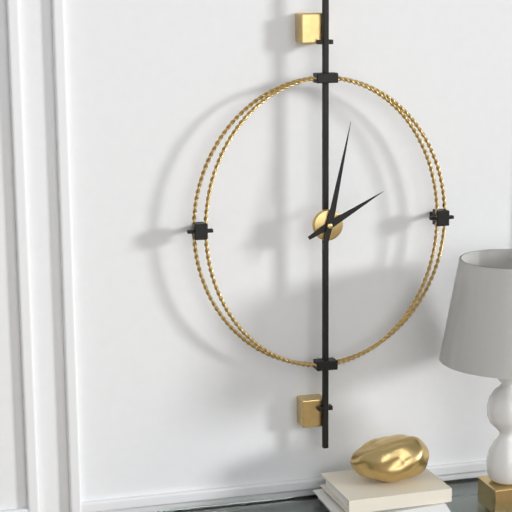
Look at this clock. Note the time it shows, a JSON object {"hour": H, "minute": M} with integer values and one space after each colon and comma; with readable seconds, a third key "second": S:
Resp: {"hour": 2, "minute": 2}
